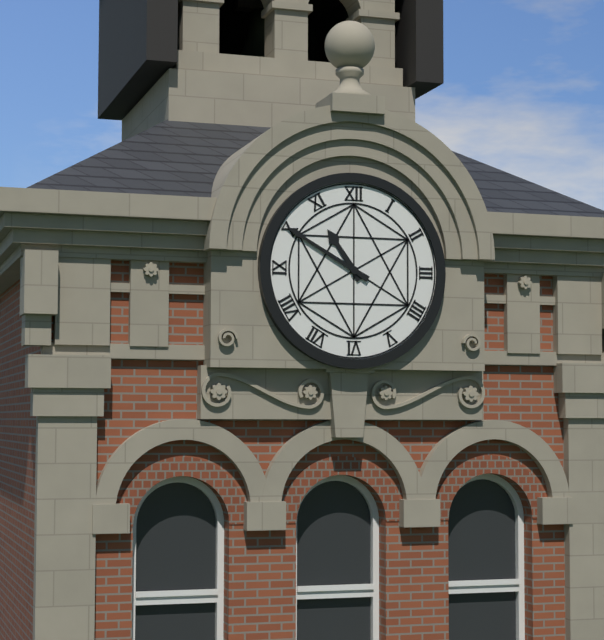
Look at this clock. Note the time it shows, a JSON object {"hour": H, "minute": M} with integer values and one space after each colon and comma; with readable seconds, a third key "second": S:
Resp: {"hour": 10, "minute": 50}
